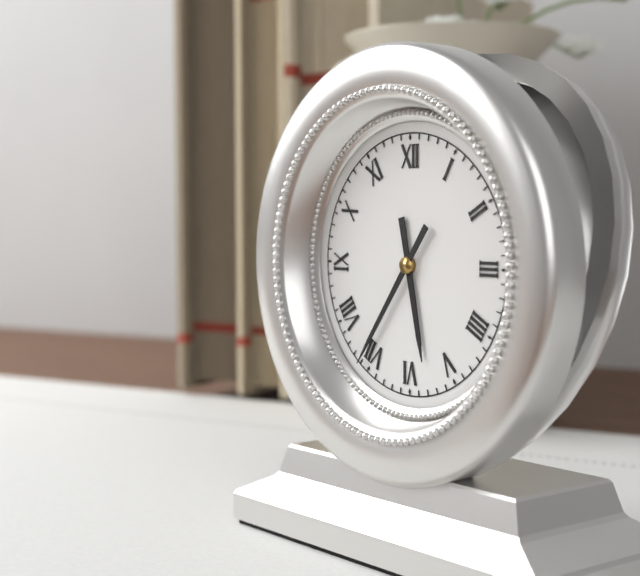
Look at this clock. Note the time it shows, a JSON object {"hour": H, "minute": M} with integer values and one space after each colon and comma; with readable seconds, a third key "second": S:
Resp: {"hour": 5, "minute": 36}
